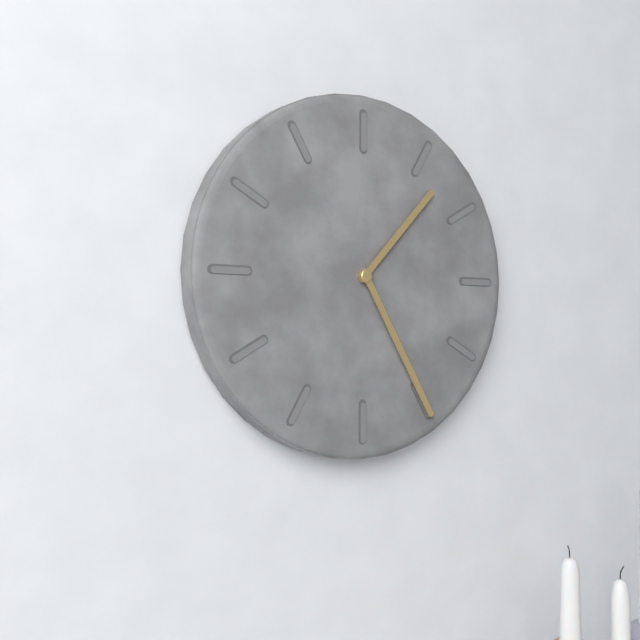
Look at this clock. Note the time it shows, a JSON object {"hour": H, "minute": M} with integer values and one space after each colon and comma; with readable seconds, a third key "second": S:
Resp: {"hour": 1, "minute": 25}
